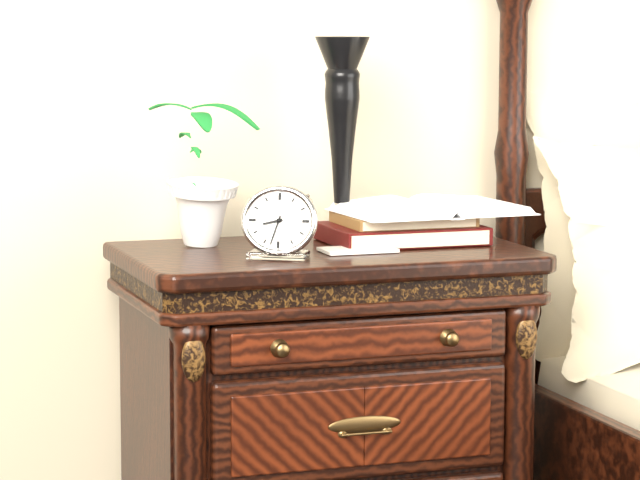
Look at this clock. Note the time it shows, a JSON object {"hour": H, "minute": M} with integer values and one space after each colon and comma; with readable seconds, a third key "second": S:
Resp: {"hour": 8, "minute": 33}
